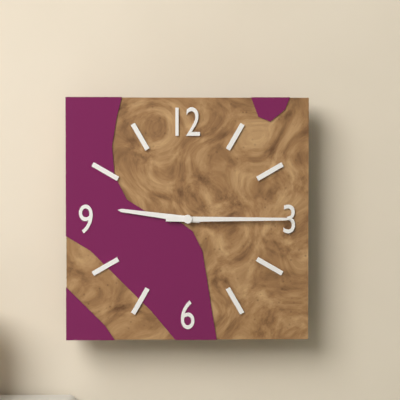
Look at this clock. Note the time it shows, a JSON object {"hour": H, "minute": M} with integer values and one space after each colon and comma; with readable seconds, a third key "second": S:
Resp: {"hour": 9, "minute": 15}
